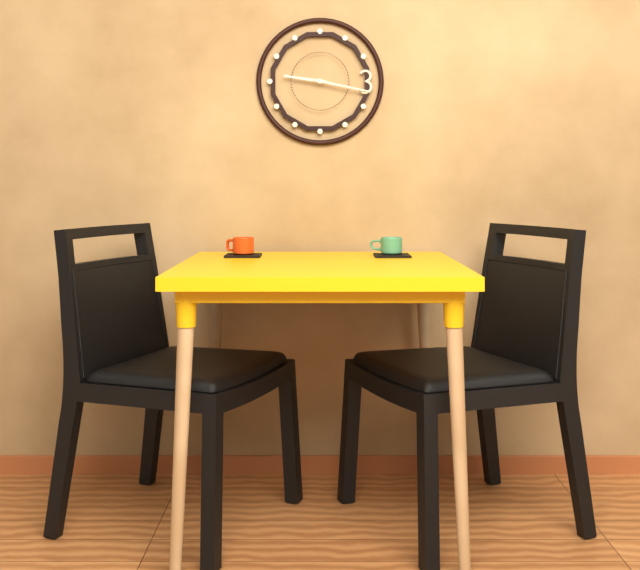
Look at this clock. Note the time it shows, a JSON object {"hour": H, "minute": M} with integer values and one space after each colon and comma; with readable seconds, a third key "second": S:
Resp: {"hour": 9, "minute": 17}
